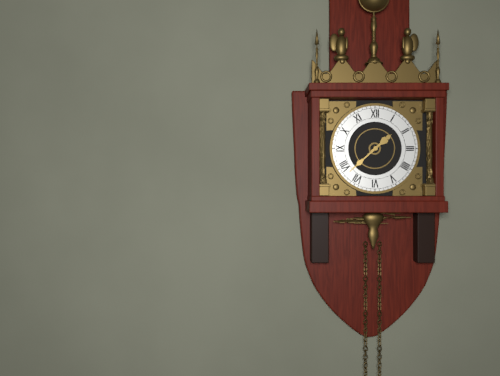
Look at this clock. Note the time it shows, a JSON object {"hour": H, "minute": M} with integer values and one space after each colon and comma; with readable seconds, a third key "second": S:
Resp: {"hour": 1, "minute": 38}
